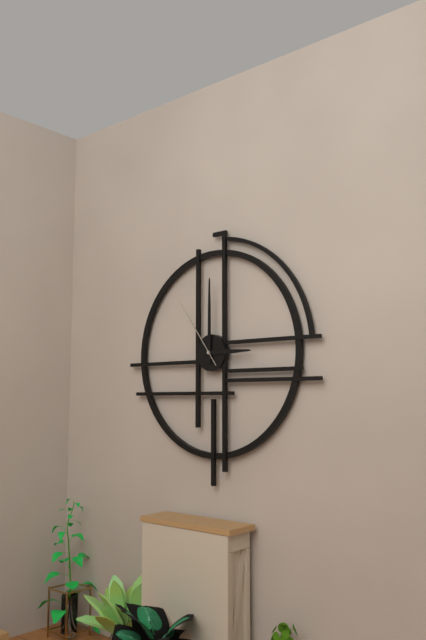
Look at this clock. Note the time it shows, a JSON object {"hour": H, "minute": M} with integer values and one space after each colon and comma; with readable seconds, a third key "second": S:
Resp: {"hour": 3, "minute": 0, "second": 54}
